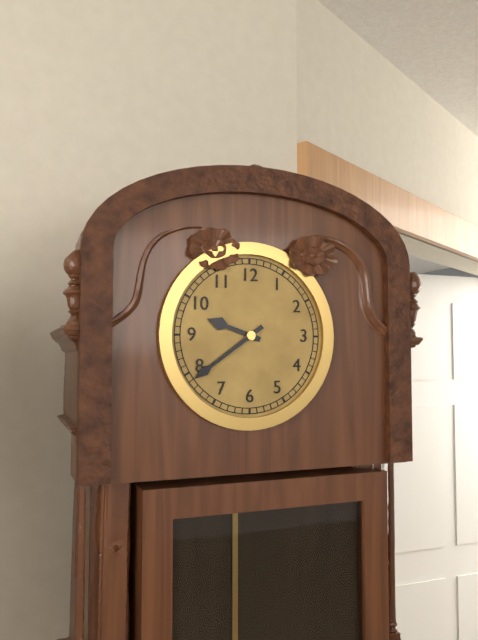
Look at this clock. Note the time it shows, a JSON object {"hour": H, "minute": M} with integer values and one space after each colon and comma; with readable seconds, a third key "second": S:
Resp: {"hour": 9, "minute": 39}
